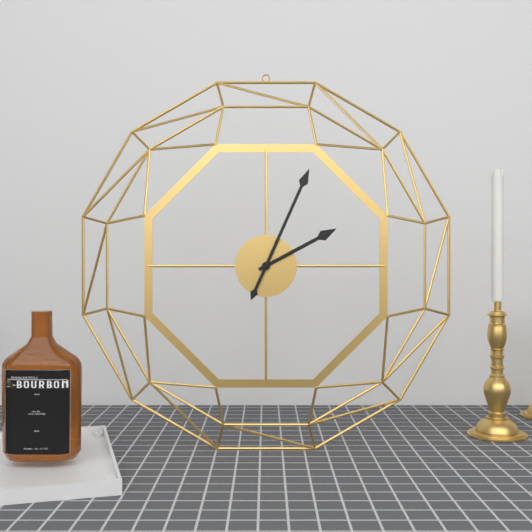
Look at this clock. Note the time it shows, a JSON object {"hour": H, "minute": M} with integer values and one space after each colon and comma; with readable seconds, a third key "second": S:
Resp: {"hour": 2, "minute": 4}
